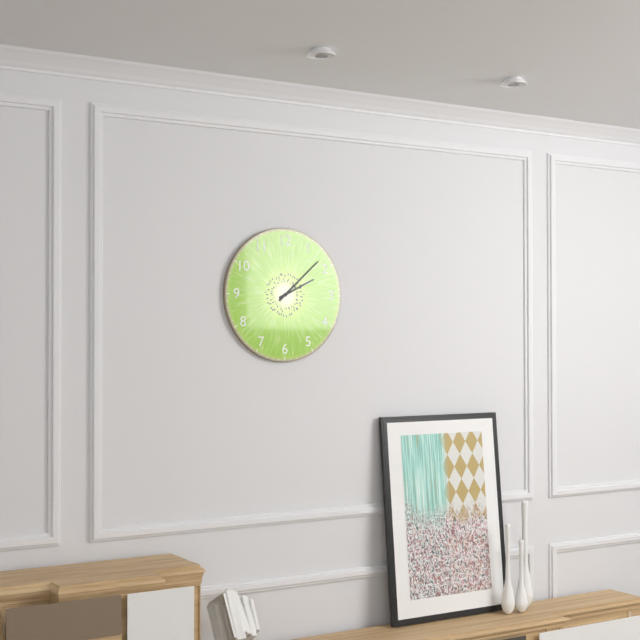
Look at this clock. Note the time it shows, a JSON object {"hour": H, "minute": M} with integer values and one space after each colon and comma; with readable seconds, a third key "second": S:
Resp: {"hour": 2, "minute": 8}
